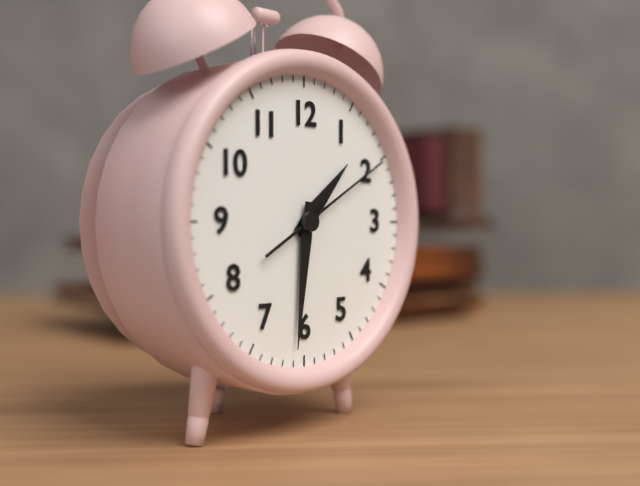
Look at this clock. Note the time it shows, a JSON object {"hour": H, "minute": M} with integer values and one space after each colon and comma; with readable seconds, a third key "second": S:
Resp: {"hour": 1, "minute": 31, "second": 10}
